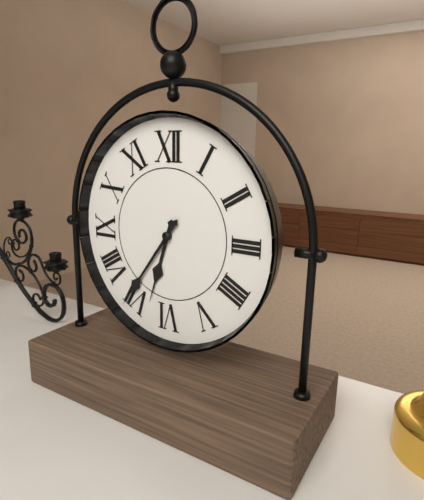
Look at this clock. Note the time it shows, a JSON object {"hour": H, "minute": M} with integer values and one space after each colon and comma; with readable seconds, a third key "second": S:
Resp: {"hour": 6, "minute": 36}
